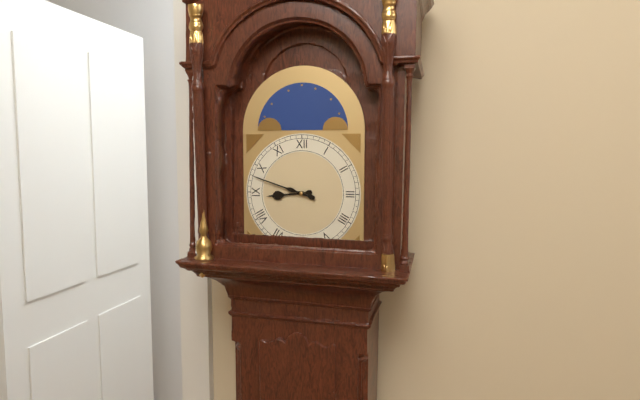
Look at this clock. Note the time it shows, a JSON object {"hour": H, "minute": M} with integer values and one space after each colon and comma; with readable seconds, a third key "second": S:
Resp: {"hour": 8, "minute": 48}
